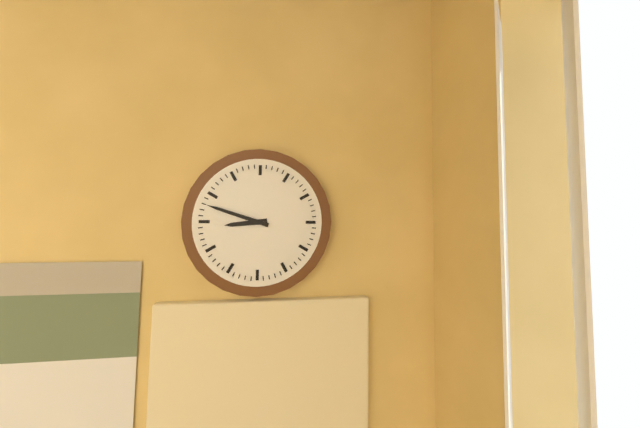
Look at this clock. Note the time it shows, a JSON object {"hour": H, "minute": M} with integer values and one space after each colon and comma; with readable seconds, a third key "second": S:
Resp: {"hour": 8, "minute": 48}
